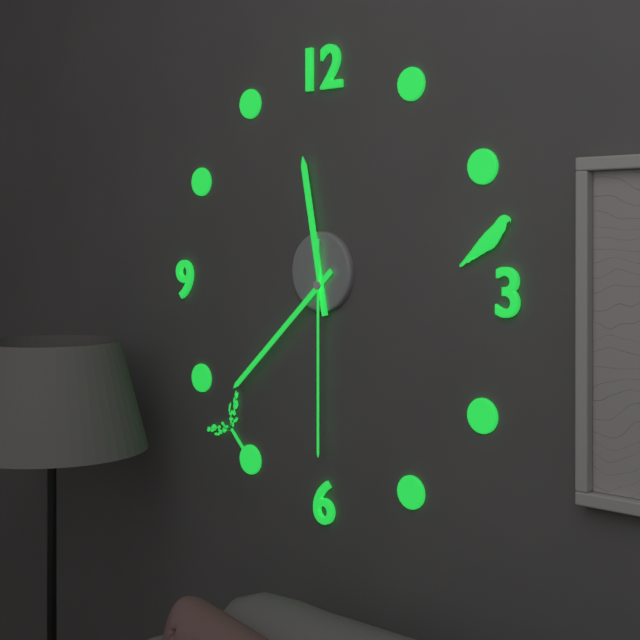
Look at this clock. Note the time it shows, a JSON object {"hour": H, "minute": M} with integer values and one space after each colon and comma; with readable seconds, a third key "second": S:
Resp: {"hour": 11, "minute": 38, "second": 30}
